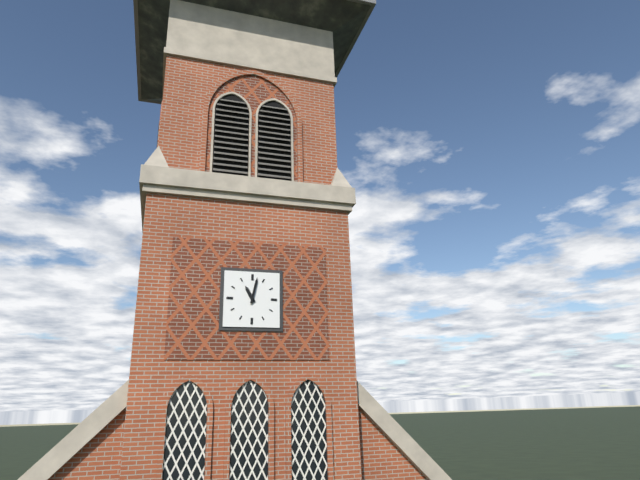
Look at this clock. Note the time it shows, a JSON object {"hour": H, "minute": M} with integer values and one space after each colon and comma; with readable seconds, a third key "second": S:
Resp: {"hour": 11, "minute": 2}
